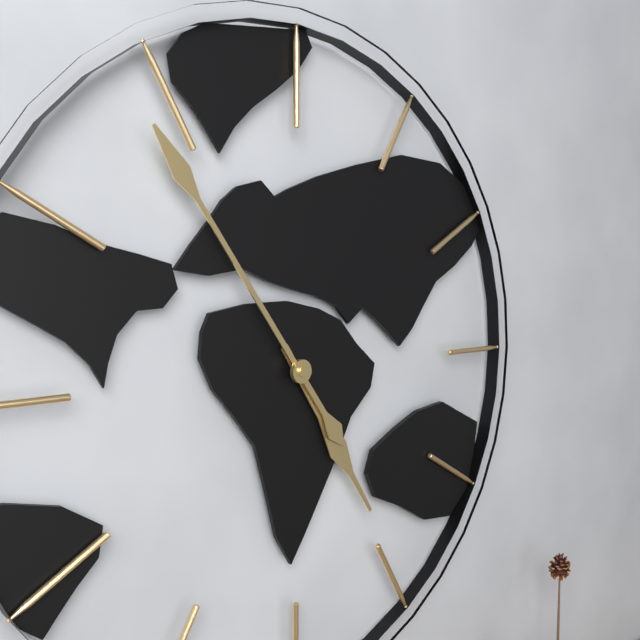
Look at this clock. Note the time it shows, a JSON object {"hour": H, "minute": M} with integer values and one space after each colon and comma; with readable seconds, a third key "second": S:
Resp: {"hour": 4, "minute": 54}
